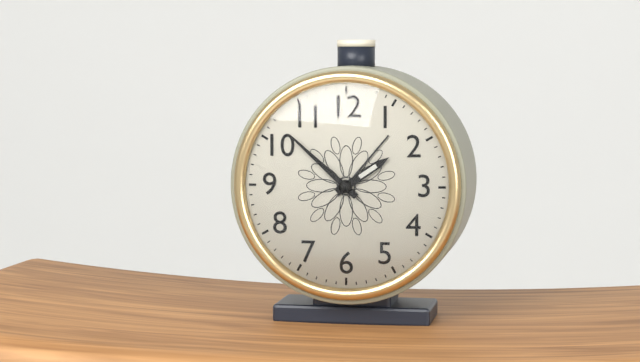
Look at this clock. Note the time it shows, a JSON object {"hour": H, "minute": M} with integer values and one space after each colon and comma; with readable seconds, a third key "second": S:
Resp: {"hour": 1, "minute": 52}
